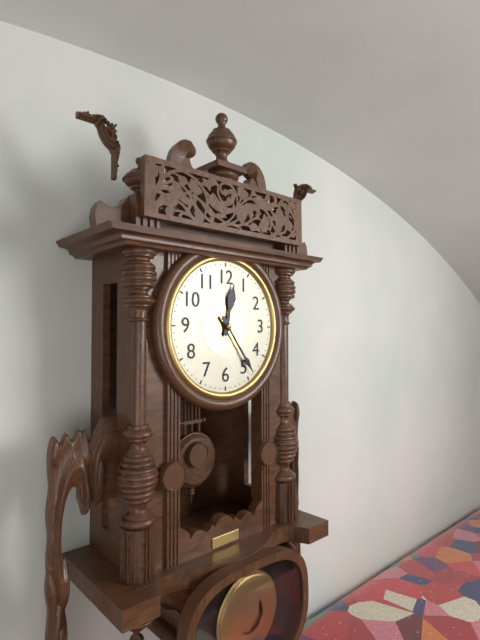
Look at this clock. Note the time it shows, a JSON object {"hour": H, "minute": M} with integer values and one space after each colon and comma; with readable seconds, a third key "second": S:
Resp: {"hour": 12, "minute": 24}
